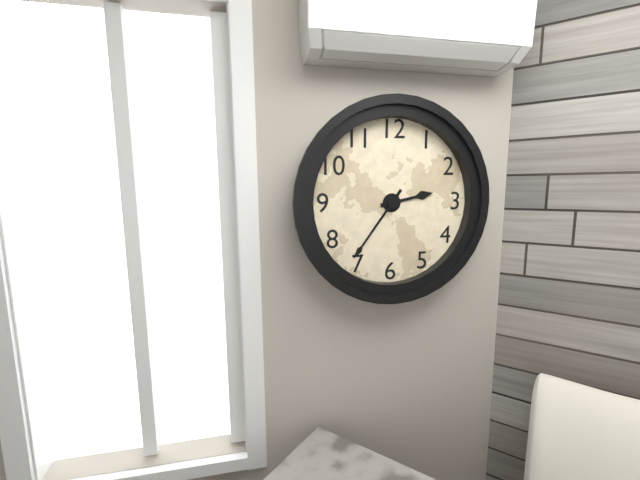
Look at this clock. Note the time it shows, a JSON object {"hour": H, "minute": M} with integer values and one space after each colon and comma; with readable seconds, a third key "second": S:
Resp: {"hour": 2, "minute": 36}
